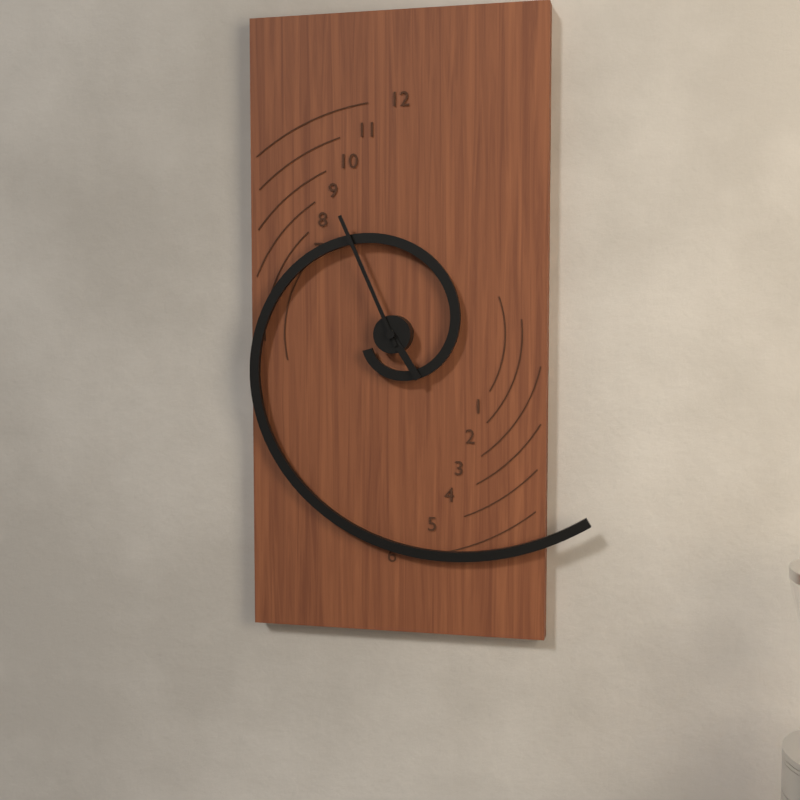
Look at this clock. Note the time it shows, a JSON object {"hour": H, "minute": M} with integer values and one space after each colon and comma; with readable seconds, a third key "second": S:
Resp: {"hour": 4, "minute": 56}
